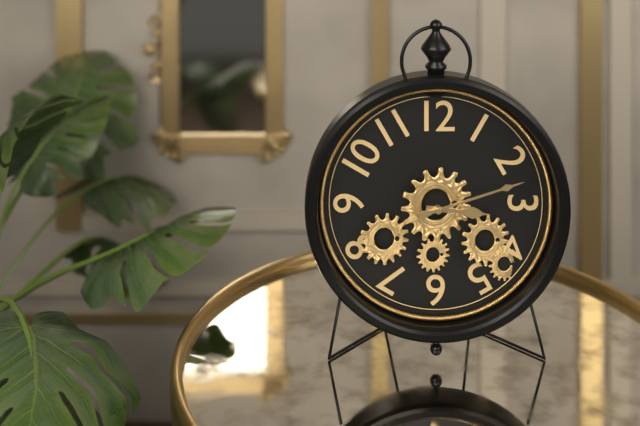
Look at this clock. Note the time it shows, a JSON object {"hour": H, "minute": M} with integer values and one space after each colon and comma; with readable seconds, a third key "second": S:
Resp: {"hour": 3, "minute": 12}
